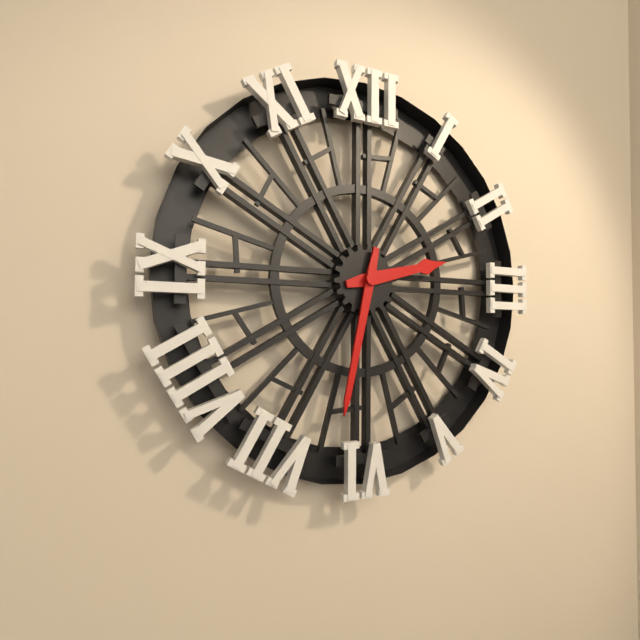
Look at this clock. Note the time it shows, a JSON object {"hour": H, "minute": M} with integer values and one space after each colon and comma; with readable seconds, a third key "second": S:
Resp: {"hour": 2, "minute": 32}
